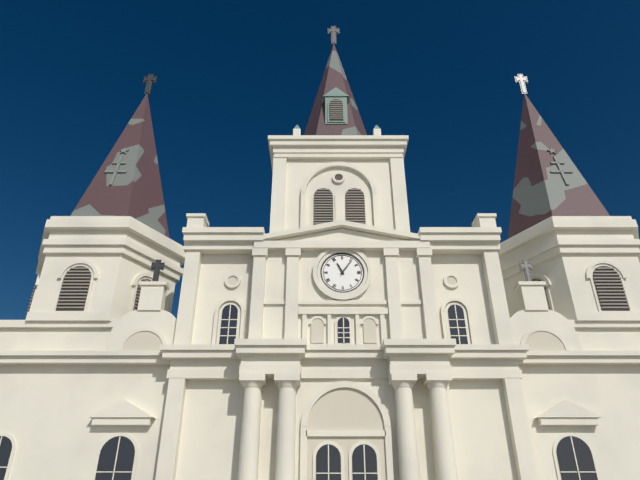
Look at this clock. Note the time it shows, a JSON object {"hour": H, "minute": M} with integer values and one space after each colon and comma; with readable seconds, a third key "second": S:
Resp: {"hour": 11, "minute": 6}
